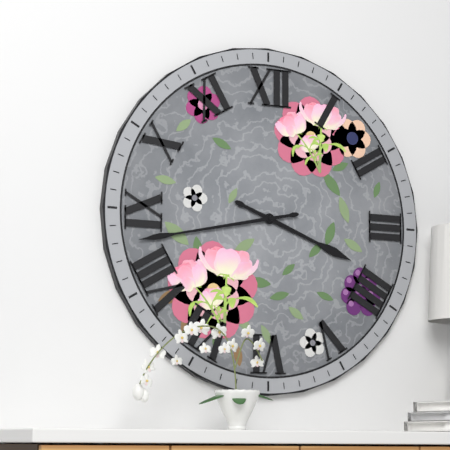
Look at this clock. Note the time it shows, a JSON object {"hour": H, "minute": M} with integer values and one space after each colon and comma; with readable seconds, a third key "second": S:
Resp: {"hour": 3, "minute": 43}
